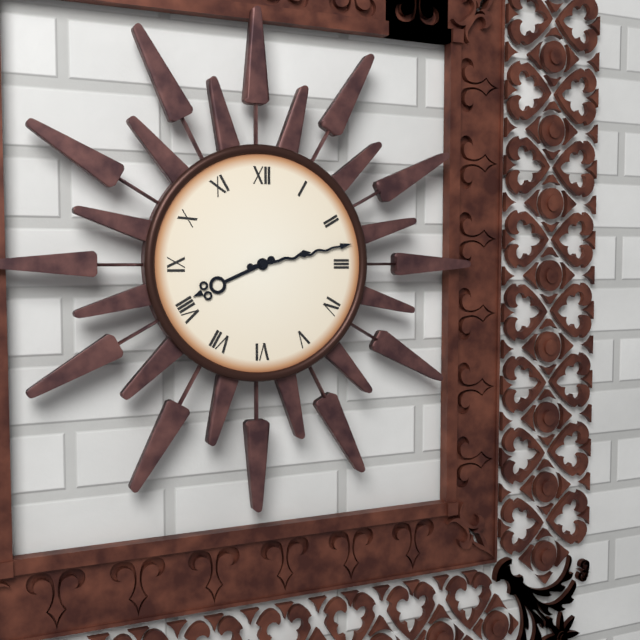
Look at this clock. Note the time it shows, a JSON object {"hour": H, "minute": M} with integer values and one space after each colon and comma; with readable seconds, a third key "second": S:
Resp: {"hour": 8, "minute": 13}
